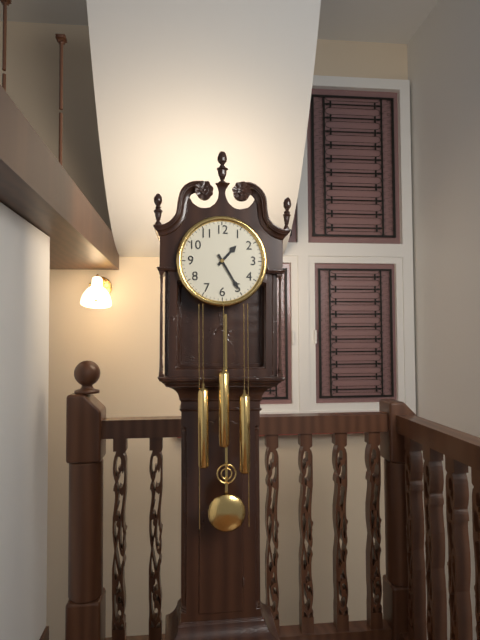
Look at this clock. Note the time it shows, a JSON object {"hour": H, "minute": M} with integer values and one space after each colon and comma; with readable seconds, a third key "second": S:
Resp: {"hour": 1, "minute": 25}
